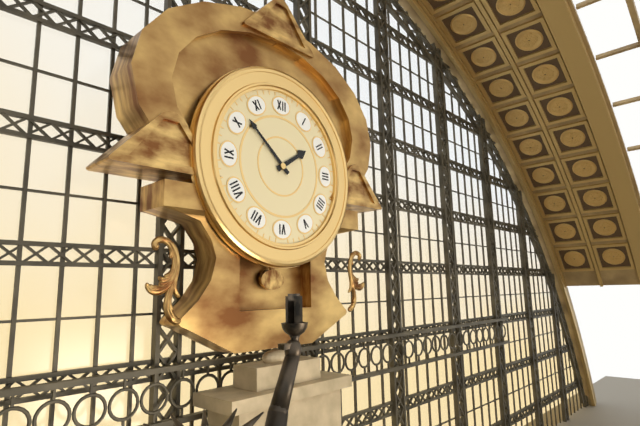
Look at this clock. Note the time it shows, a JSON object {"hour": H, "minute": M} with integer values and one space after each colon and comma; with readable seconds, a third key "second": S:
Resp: {"hour": 1, "minute": 52}
